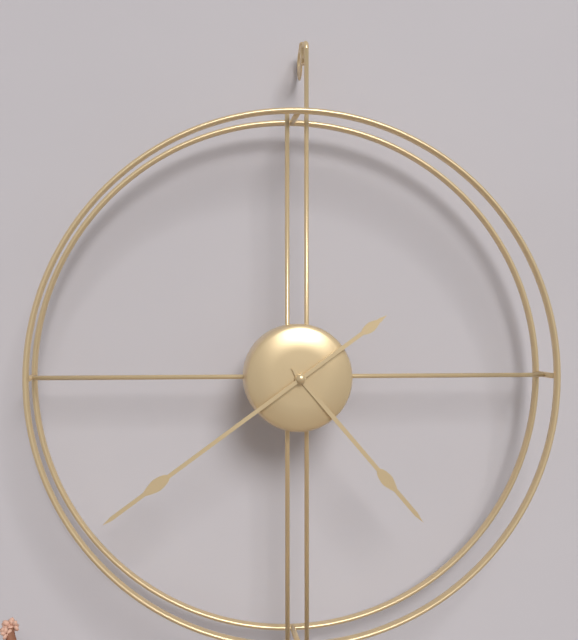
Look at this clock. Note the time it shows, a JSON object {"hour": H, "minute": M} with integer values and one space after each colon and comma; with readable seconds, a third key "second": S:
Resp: {"hour": 4, "minute": 39}
